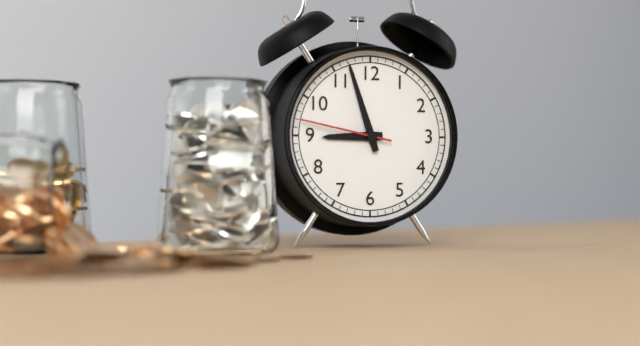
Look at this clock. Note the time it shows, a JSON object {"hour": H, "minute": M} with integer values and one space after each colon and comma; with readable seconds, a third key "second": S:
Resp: {"hour": 8, "minute": 57, "second": 47}
